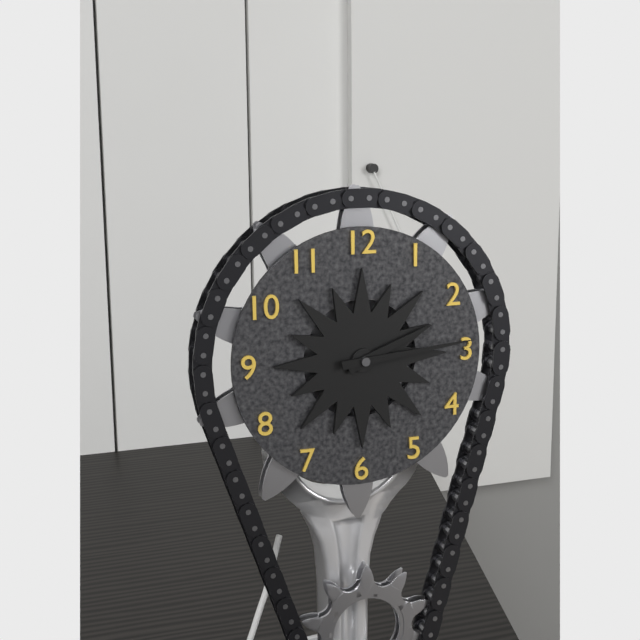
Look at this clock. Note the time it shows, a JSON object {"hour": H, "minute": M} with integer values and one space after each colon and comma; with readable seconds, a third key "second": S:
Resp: {"hour": 2, "minute": 14}
